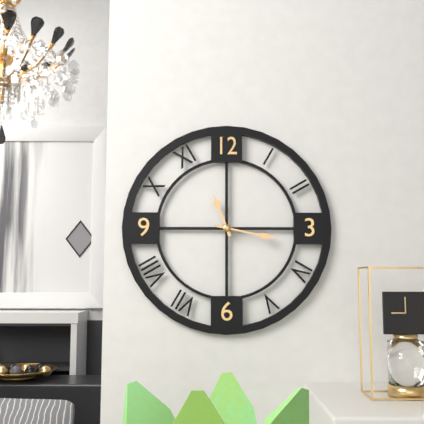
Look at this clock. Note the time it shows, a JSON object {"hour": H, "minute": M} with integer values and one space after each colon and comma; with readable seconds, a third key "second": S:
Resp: {"hour": 11, "minute": 17}
